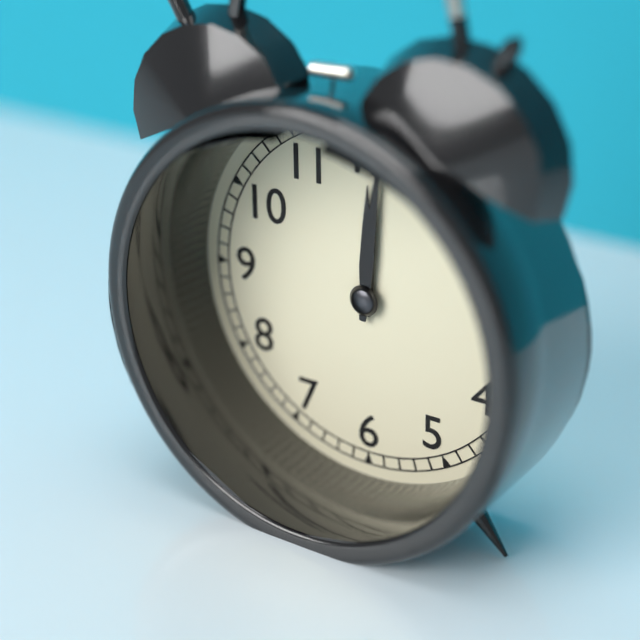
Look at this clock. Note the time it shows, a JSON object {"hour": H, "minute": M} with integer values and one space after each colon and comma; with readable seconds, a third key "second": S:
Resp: {"hour": 12, "minute": 1}
